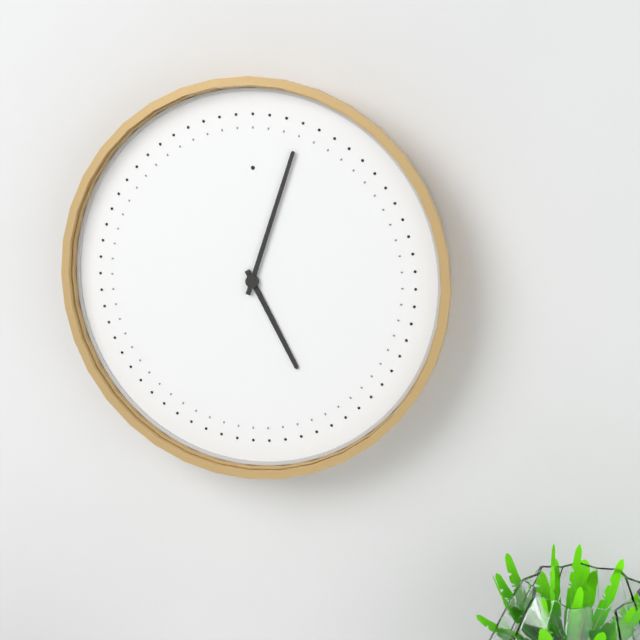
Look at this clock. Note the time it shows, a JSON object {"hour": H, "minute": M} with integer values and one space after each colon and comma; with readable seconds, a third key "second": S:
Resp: {"hour": 5, "minute": 3}
